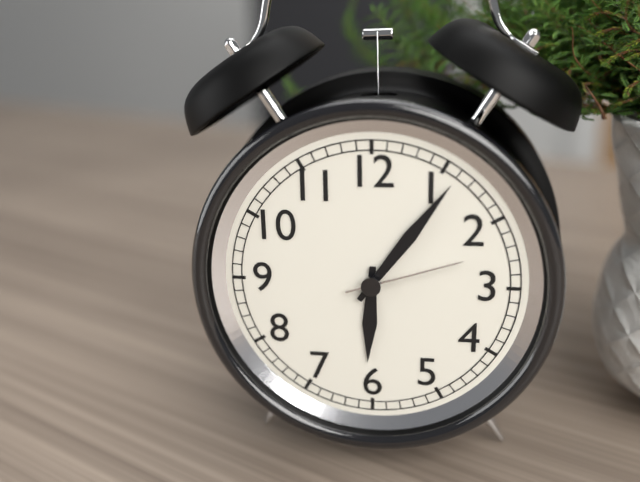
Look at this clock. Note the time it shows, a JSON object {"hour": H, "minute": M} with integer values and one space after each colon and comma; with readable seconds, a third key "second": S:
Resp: {"hour": 6, "minute": 6, "second": 12}
